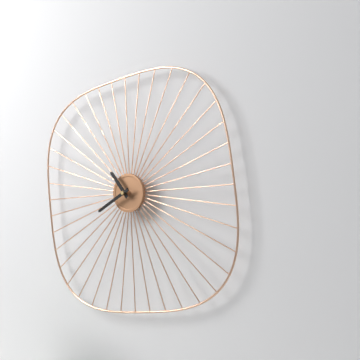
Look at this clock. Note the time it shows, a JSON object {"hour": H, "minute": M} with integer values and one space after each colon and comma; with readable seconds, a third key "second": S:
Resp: {"hour": 10, "minute": 40}
